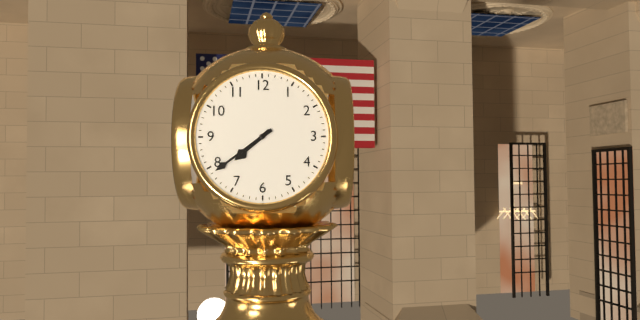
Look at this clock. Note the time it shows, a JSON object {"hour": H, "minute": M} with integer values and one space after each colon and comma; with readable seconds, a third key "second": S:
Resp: {"hour": 7, "minute": 39}
